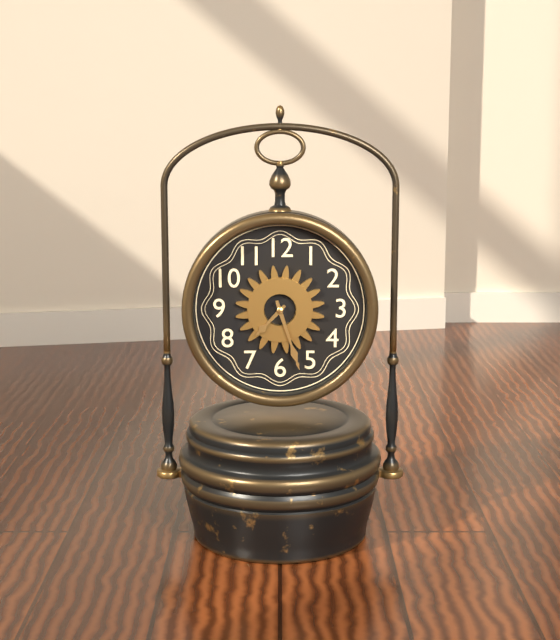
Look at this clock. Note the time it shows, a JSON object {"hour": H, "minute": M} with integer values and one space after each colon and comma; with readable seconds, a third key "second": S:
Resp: {"hour": 7, "minute": 27}
